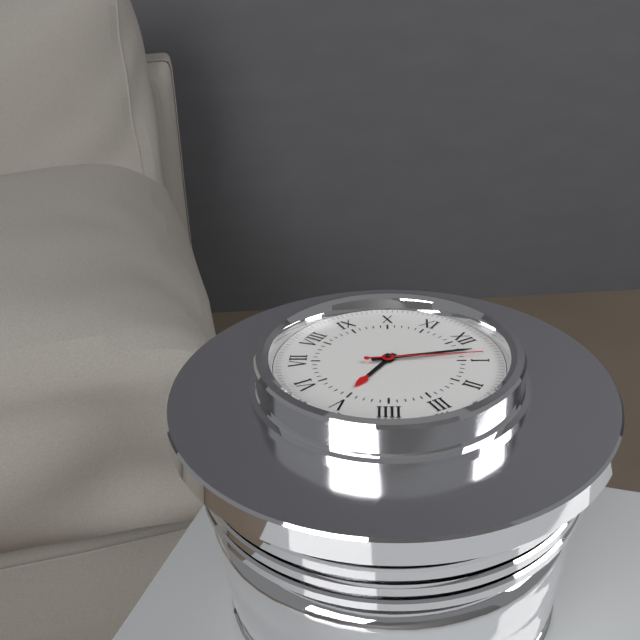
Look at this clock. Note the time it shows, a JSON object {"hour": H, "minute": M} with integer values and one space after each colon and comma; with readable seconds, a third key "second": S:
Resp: {"hour": 5, "minute": 3, "second": 4}
